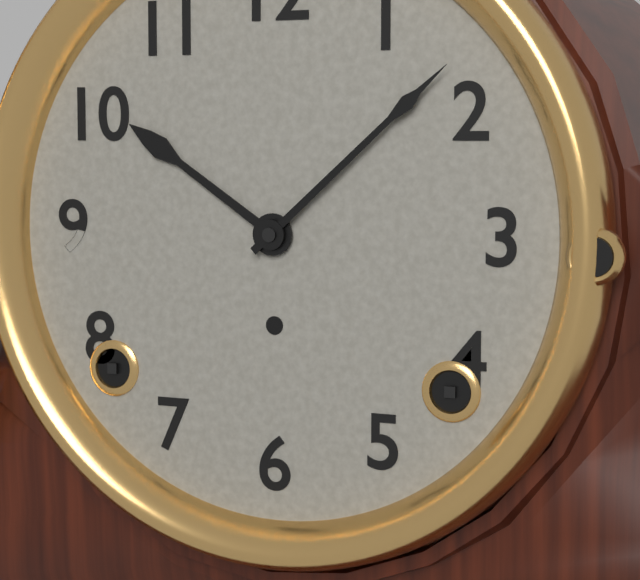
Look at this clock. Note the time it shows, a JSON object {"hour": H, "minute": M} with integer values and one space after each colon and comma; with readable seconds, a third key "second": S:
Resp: {"hour": 10, "minute": 8}
